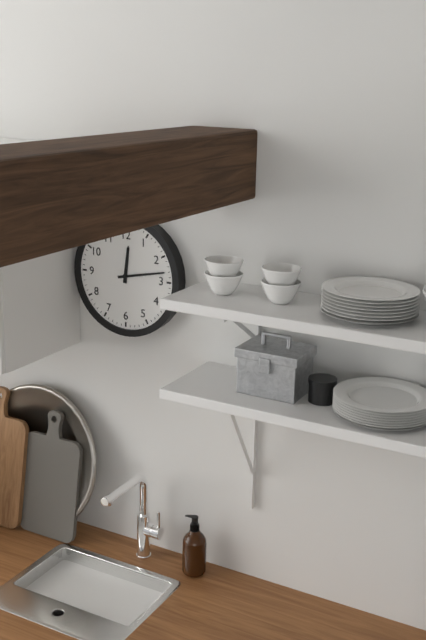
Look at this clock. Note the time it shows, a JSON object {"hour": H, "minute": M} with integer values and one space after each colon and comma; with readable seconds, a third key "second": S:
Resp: {"hour": 12, "minute": 13}
